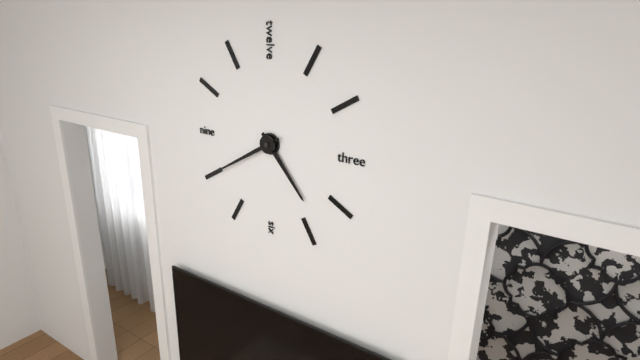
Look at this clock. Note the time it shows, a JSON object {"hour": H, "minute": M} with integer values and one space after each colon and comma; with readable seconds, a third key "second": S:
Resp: {"hour": 4, "minute": 40}
